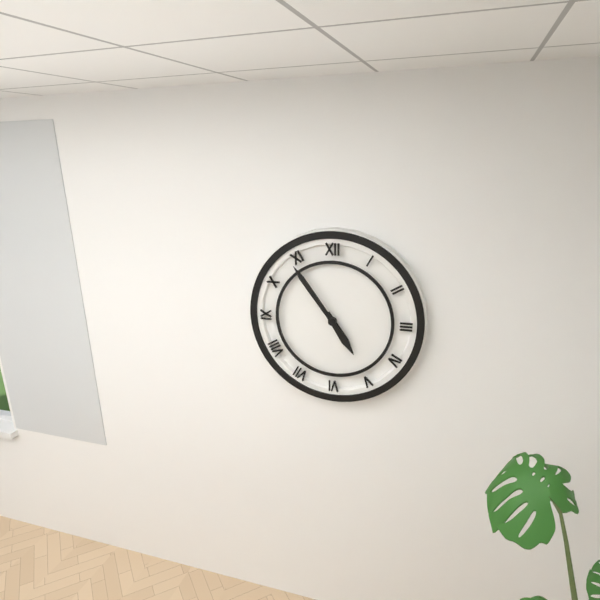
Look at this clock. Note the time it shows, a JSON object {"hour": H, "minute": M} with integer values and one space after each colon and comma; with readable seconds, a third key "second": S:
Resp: {"hour": 4, "minute": 54}
